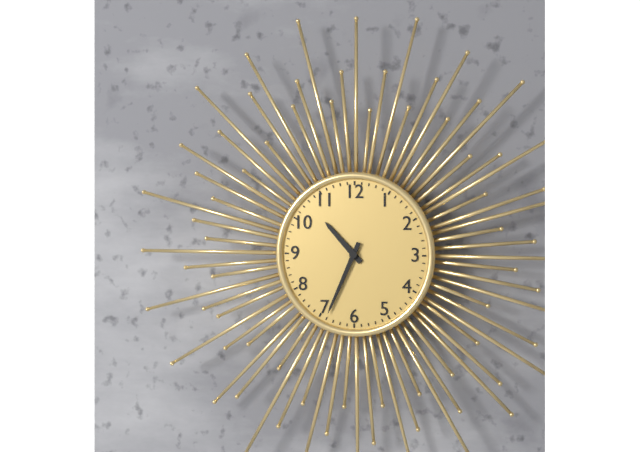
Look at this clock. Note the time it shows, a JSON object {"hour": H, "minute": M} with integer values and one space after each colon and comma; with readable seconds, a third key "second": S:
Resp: {"hour": 10, "minute": 34}
